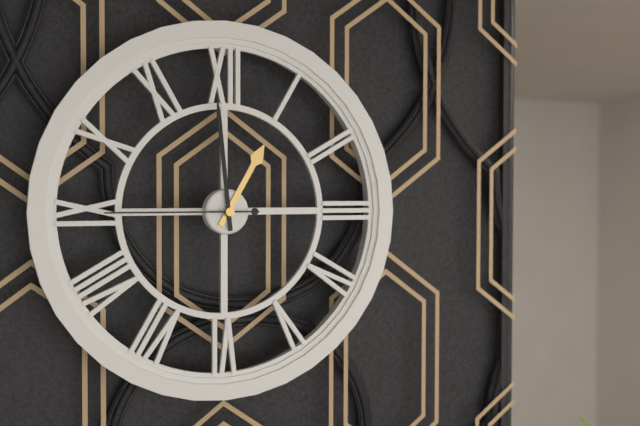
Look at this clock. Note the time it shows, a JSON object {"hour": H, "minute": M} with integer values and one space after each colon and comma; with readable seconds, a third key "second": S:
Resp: {"hour": 12, "minute": 59, "second": 45}
